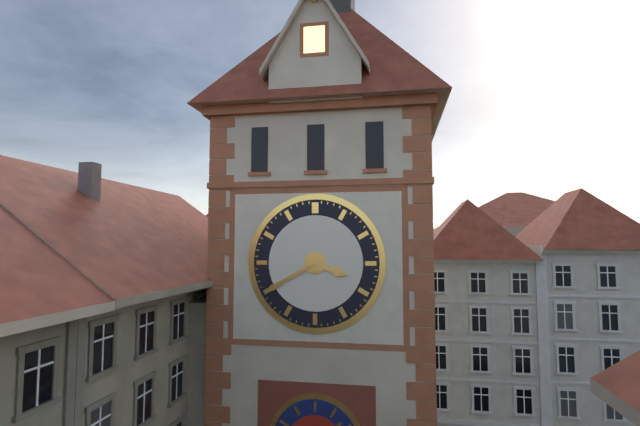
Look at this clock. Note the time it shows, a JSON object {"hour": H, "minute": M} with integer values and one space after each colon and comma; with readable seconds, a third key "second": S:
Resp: {"hour": 3, "minute": 40}
